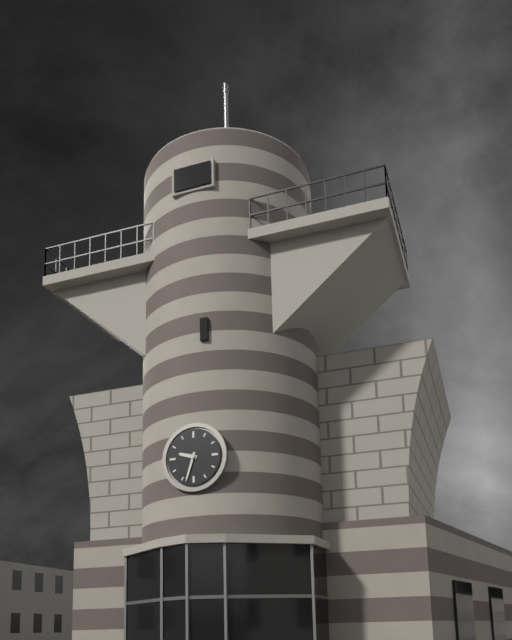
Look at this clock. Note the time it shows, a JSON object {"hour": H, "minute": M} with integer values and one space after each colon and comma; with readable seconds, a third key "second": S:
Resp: {"hour": 9, "minute": 33}
